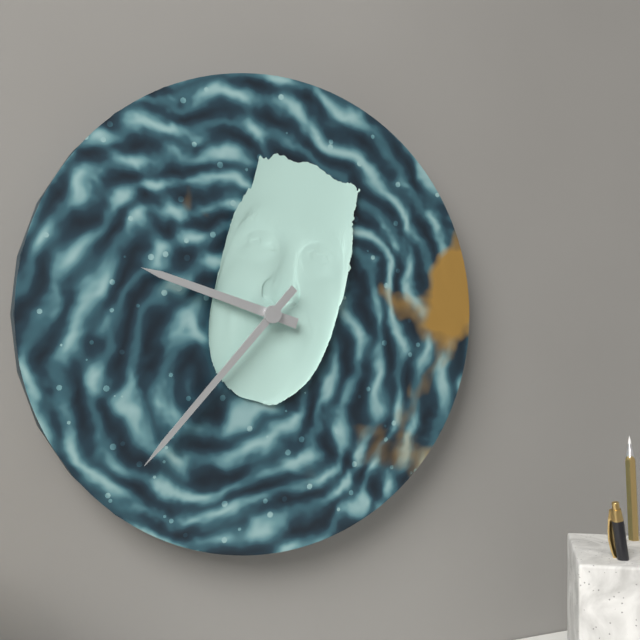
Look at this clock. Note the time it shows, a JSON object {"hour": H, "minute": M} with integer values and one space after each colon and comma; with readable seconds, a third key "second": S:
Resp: {"hour": 9, "minute": 37}
